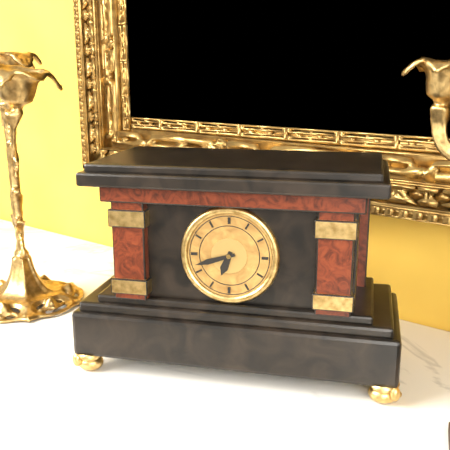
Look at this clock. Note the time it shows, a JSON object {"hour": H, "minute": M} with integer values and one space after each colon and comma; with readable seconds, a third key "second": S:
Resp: {"hour": 6, "minute": 42}
